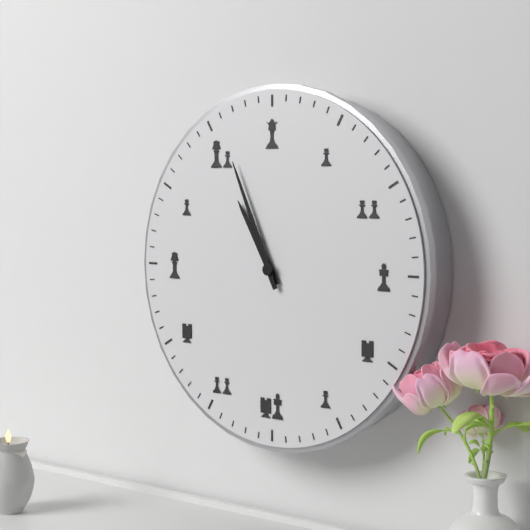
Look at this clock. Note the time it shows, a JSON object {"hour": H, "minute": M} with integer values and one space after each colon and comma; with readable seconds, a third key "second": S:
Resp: {"hour": 10, "minute": 56}
